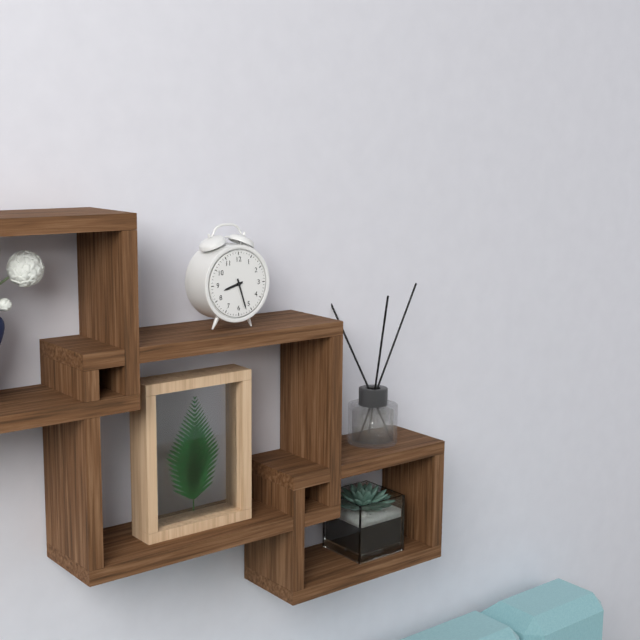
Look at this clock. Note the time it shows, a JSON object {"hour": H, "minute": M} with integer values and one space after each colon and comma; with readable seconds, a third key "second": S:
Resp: {"hour": 8, "minute": 27}
